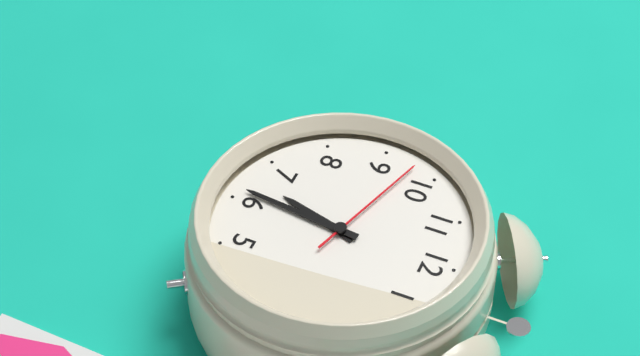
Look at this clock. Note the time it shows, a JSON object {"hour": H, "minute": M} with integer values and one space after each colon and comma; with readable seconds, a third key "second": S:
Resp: {"hour": 6, "minute": 31, "second": 48}
